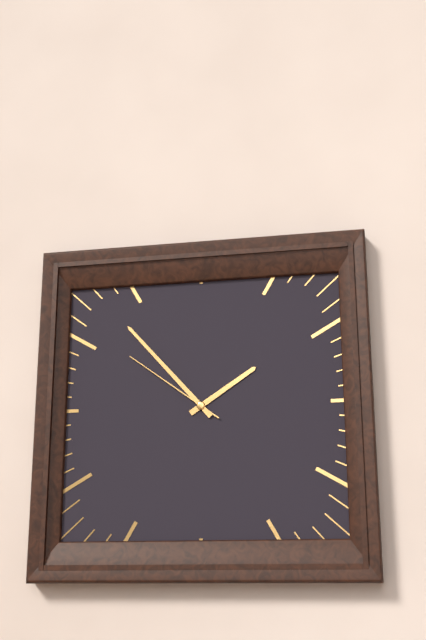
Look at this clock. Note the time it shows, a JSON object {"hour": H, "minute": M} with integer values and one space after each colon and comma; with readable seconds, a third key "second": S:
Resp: {"hour": 1, "minute": 53, "second": 51}
